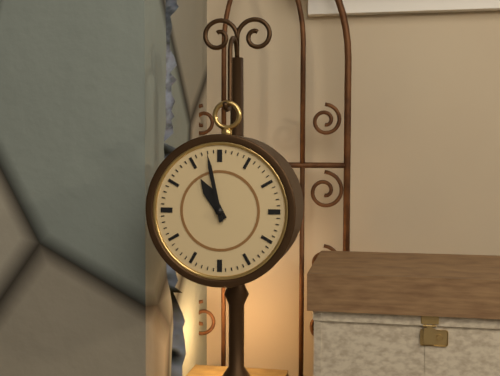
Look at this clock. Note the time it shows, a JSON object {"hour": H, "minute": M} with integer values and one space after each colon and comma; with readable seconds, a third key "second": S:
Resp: {"hour": 10, "minute": 58}
